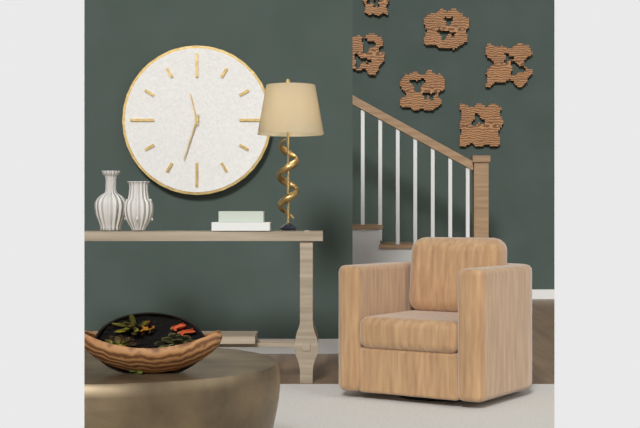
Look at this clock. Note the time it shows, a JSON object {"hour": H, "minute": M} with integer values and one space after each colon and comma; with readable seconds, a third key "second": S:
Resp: {"hour": 11, "minute": 33}
